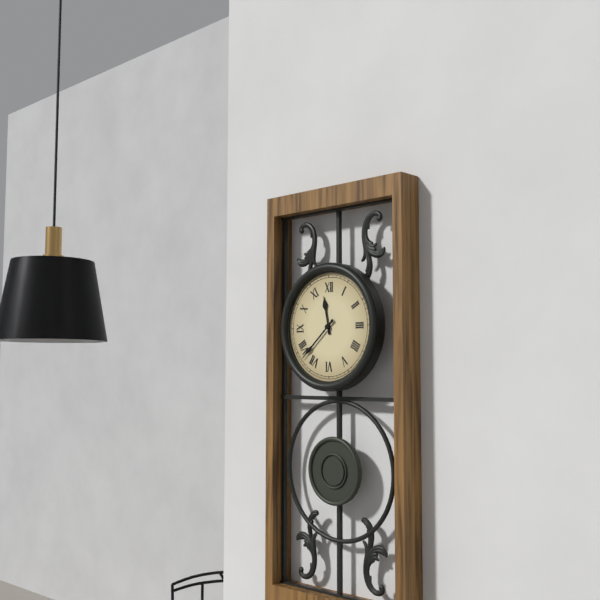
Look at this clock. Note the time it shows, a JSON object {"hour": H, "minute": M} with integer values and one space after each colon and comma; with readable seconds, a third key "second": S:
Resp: {"hour": 11, "minute": 38}
